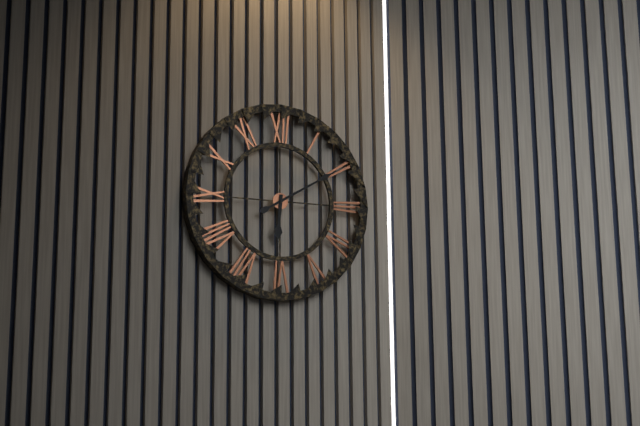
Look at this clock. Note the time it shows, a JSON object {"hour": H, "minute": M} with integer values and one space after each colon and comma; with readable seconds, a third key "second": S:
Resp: {"hour": 6, "minute": 10}
